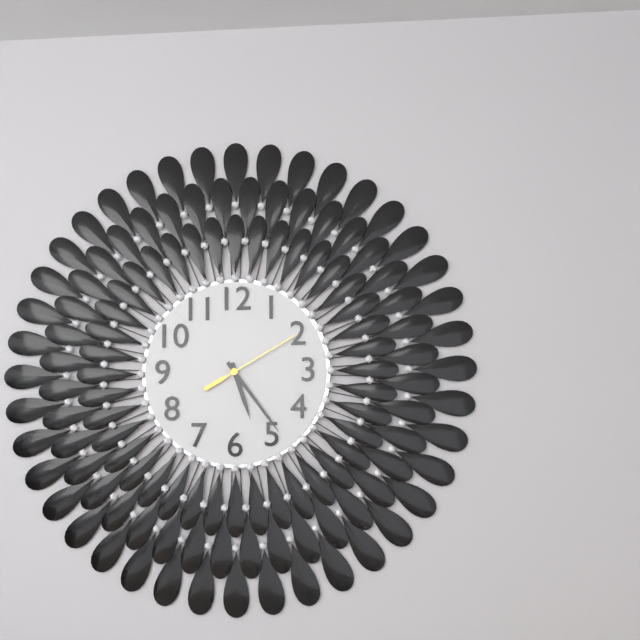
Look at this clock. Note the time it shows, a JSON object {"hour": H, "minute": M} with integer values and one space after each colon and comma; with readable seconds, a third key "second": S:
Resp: {"hour": 5, "minute": 24, "second": 10}
